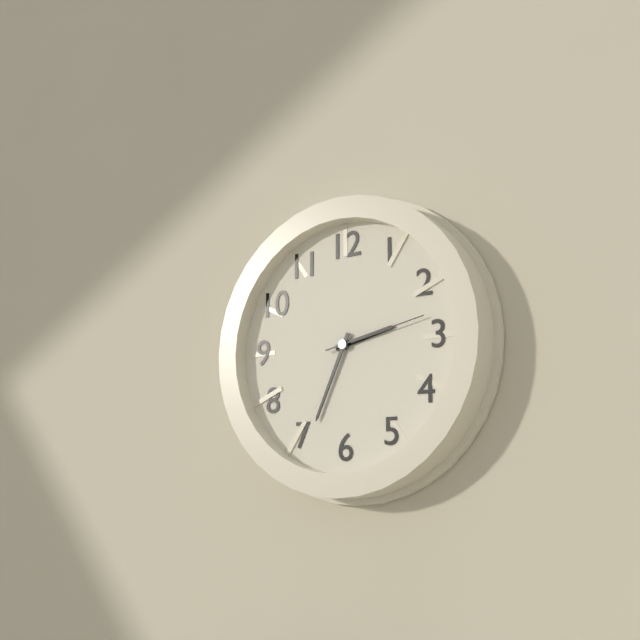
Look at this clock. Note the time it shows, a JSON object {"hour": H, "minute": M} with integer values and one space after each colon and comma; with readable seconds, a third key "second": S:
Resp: {"hour": 2, "minute": 34, "second": 13}
